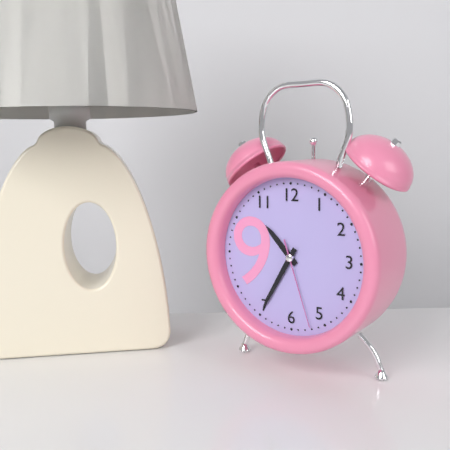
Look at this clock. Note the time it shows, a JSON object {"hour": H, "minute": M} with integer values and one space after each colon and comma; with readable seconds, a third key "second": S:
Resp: {"hour": 10, "minute": 35, "second": 27}
